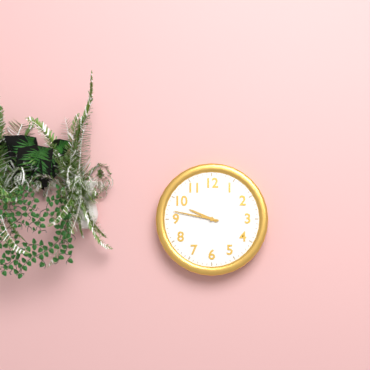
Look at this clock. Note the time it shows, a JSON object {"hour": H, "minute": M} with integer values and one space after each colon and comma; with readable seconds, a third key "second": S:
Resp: {"hour": 9, "minute": 47}
